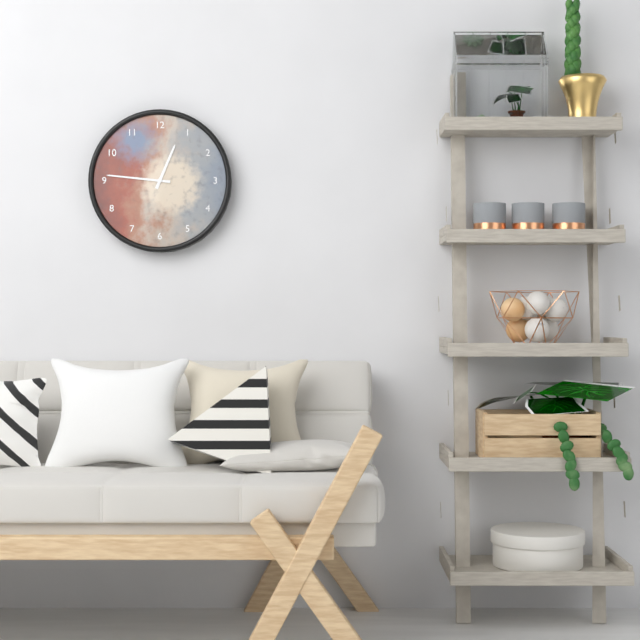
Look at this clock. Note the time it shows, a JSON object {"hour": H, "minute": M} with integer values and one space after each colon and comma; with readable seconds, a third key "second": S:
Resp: {"hour": 12, "minute": 46}
